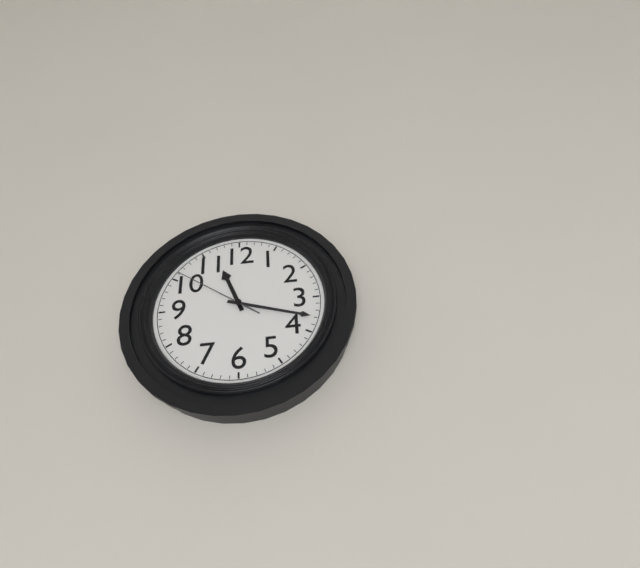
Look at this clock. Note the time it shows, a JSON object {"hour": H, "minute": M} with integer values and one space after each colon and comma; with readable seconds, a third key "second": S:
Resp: {"hour": 11, "minute": 18, "second": 51}
